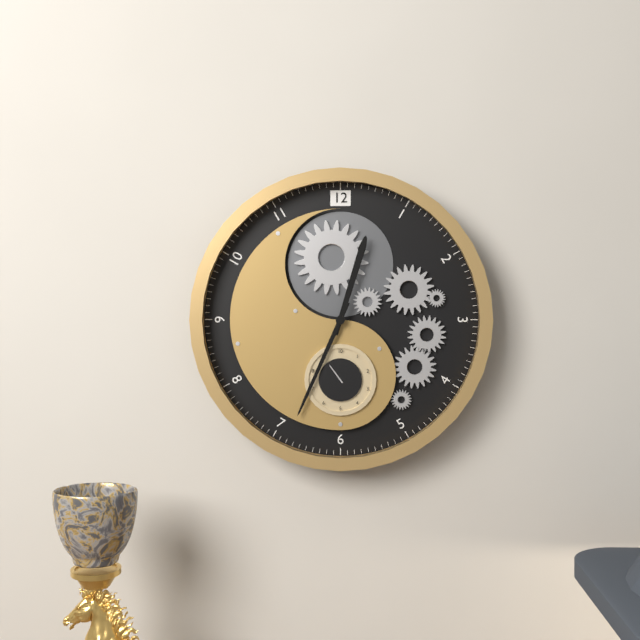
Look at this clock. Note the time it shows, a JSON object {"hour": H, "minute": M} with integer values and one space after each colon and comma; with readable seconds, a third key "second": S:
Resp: {"hour": 12, "minute": 34}
